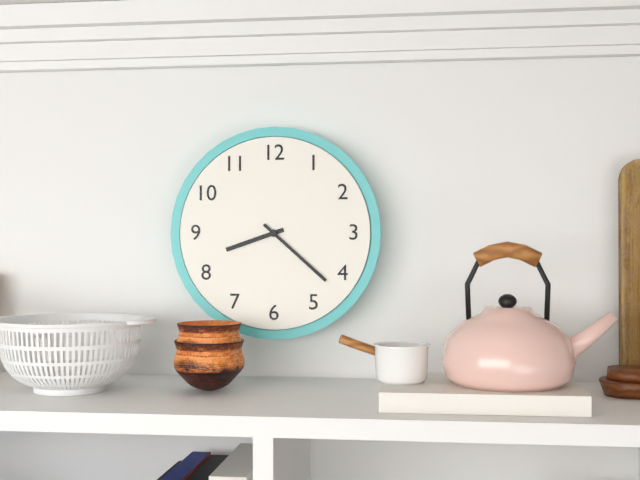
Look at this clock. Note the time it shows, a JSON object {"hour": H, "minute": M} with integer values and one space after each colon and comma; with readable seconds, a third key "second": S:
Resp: {"hour": 8, "minute": 22}
